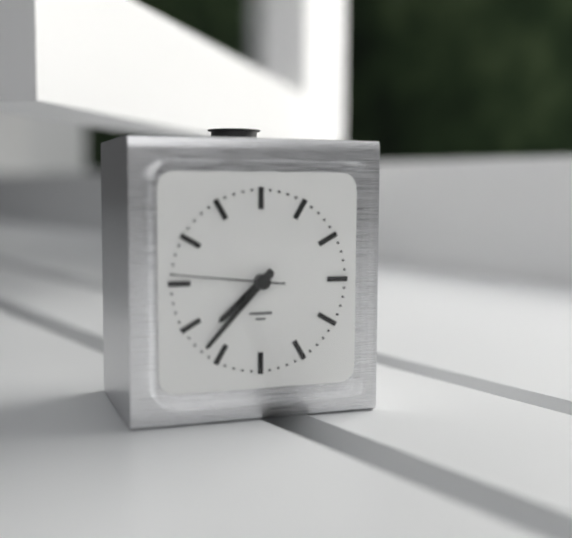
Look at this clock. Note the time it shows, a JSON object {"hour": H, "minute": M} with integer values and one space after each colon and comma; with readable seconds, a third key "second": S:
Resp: {"hour": 7, "minute": 37, "second": 46}
